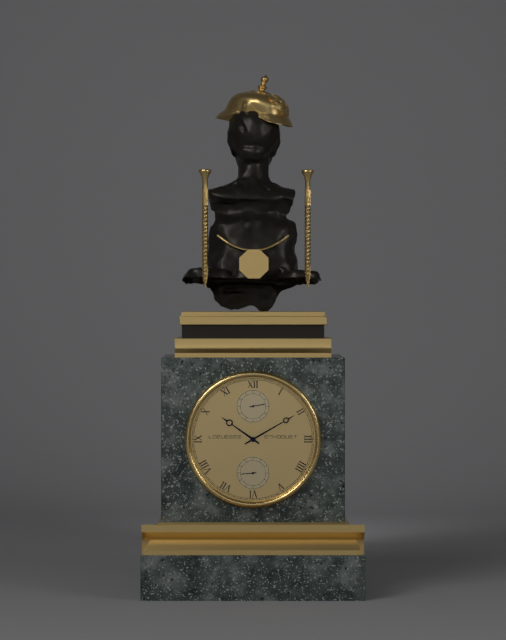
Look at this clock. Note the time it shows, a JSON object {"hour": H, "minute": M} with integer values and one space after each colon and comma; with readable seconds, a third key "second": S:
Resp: {"hour": 10, "minute": 10}
